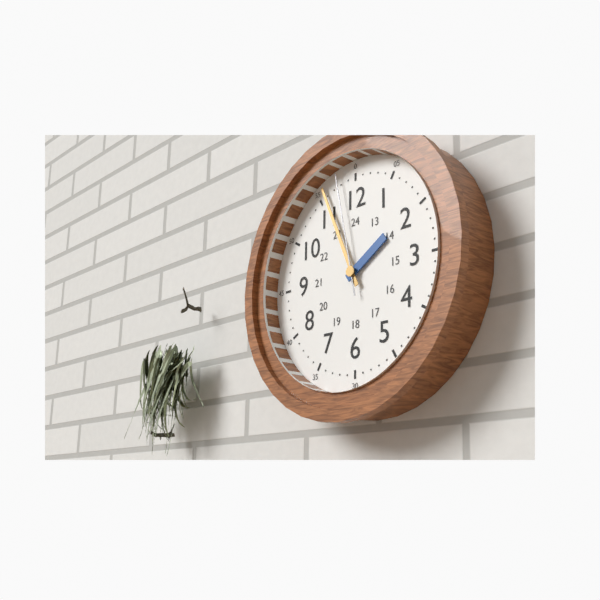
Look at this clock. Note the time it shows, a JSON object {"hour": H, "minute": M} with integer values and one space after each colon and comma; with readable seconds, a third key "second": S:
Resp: {"hour": 1, "minute": 56, "second": 58}
